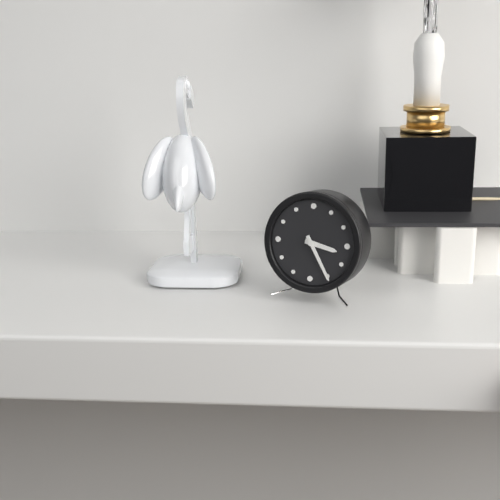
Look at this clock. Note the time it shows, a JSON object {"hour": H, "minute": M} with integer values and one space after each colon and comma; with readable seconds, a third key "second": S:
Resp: {"hour": 3, "minute": 25}
